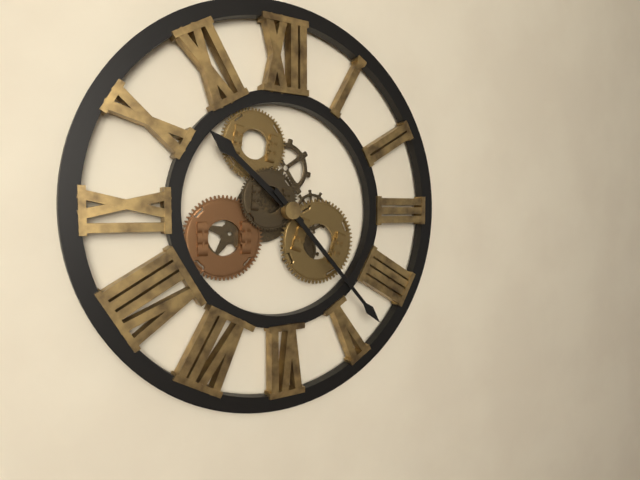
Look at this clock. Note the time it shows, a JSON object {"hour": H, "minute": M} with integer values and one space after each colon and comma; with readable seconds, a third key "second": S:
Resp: {"hour": 10, "minute": 23}
